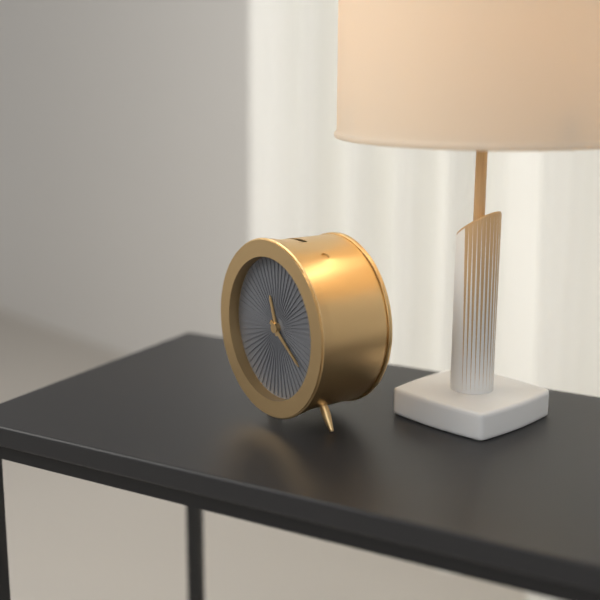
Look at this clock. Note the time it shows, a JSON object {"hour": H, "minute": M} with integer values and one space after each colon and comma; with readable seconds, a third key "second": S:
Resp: {"hour": 11, "minute": 21}
